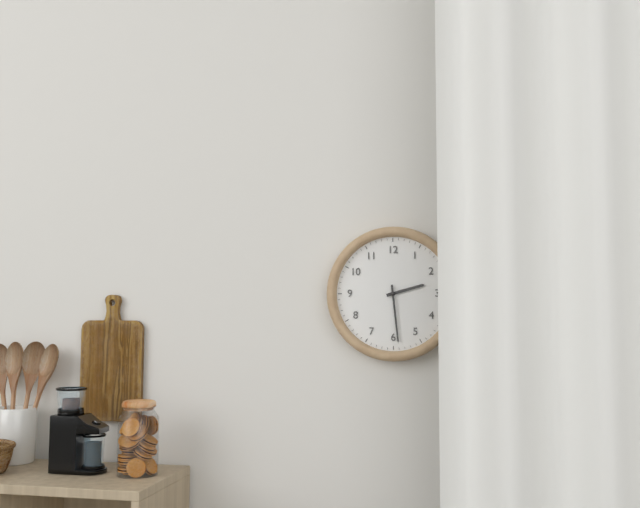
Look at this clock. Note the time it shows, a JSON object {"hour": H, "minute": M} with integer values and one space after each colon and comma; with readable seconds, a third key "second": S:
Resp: {"hour": 2, "minute": 29}
